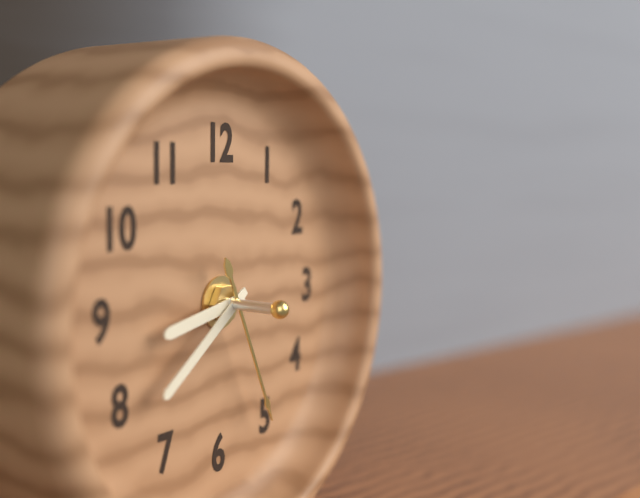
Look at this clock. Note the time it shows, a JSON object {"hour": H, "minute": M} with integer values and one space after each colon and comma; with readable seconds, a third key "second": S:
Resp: {"hour": 8, "minute": 39, "second": 26}
